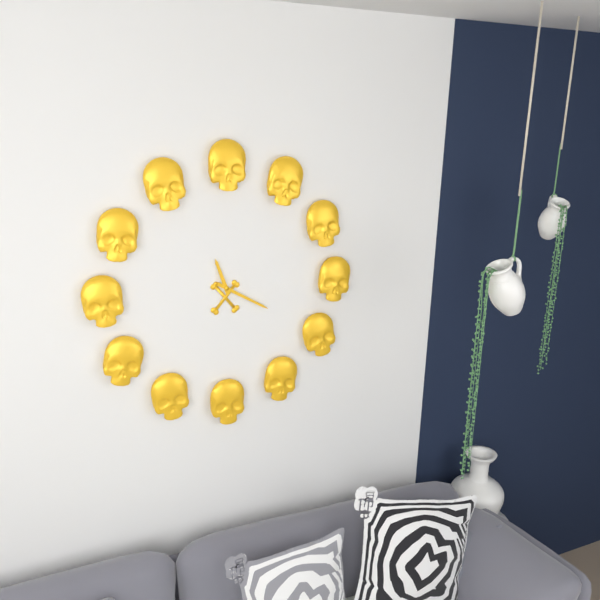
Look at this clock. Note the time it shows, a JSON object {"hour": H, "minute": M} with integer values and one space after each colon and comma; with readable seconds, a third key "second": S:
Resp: {"hour": 11, "minute": 20}
